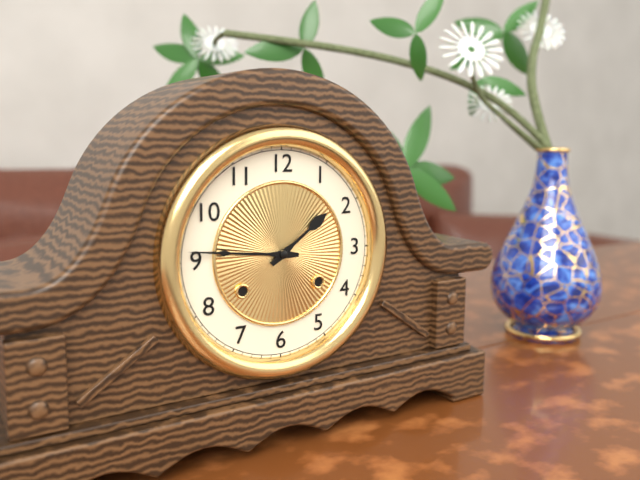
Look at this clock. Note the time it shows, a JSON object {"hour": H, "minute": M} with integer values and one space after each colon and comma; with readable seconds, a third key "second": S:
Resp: {"hour": 1, "minute": 46}
